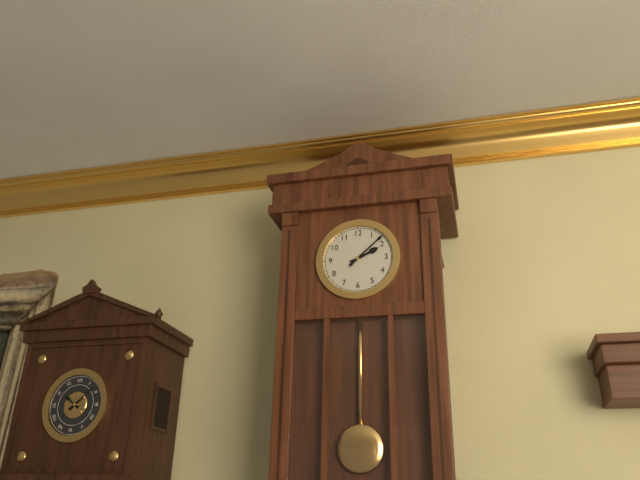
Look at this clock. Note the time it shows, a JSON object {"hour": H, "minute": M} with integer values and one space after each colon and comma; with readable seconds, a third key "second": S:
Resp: {"hour": 2, "minute": 8}
